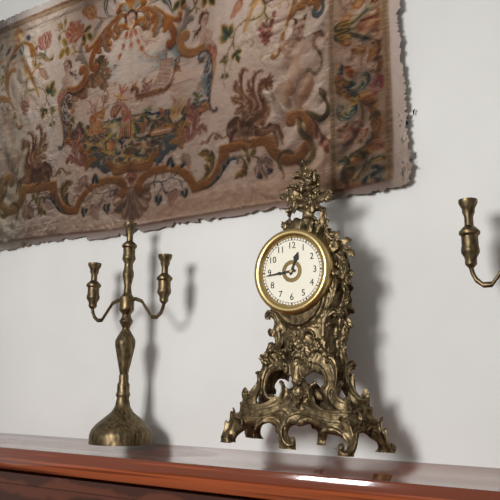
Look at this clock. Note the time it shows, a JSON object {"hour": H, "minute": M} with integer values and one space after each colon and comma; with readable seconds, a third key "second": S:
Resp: {"hour": 12, "minute": 44}
